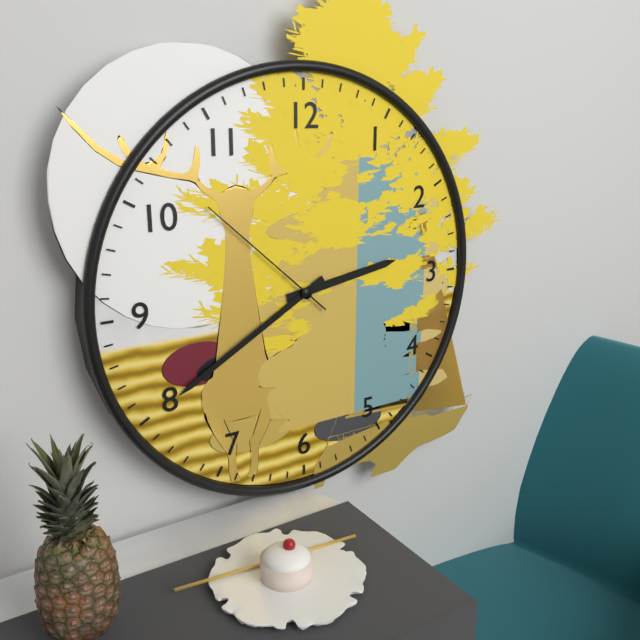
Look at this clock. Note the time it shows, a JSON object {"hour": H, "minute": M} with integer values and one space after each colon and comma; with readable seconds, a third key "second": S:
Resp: {"hour": 2, "minute": 40, "second": 52}
